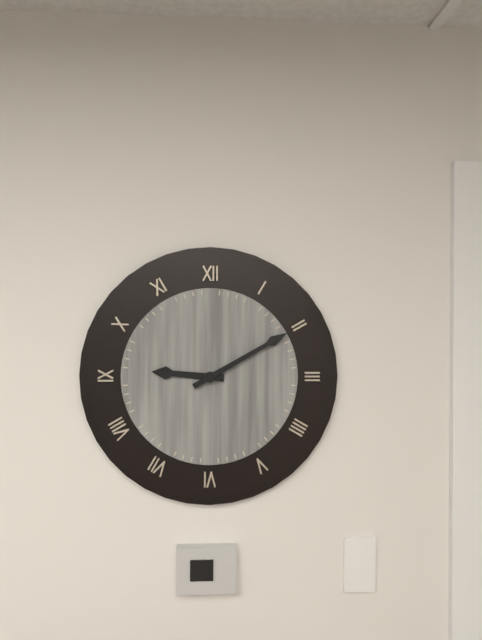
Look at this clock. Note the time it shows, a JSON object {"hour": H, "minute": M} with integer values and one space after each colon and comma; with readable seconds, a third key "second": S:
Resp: {"hour": 9, "minute": 10}
